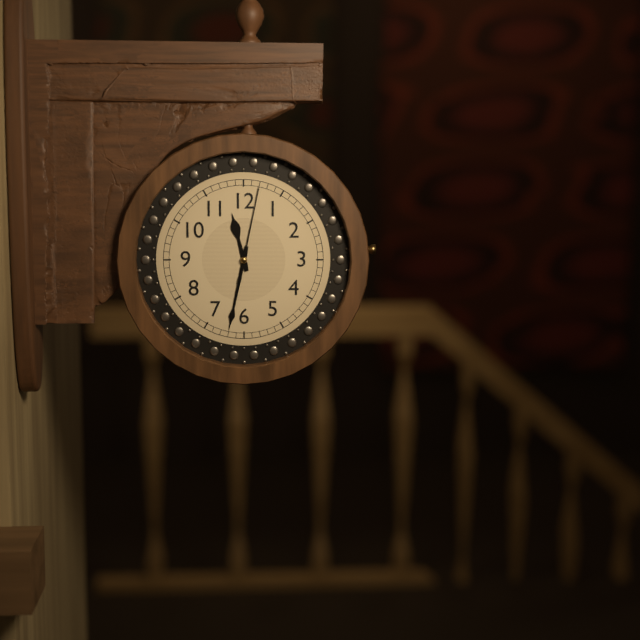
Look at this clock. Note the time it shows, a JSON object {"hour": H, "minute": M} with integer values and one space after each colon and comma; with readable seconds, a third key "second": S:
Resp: {"hour": 11, "minute": 32, "second": 2}
